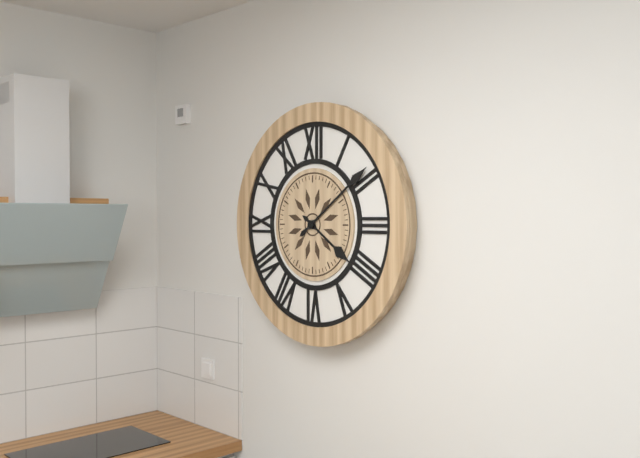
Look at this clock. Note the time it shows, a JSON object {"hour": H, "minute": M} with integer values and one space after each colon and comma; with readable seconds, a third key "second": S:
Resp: {"hour": 4, "minute": 9}
